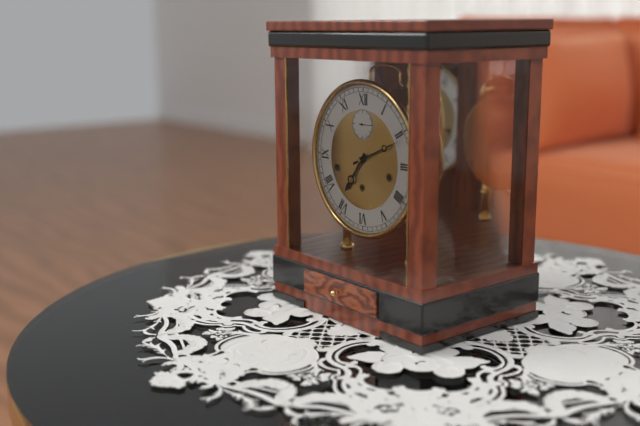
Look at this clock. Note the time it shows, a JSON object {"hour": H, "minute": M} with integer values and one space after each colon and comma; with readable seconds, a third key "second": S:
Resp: {"hour": 7, "minute": 11}
